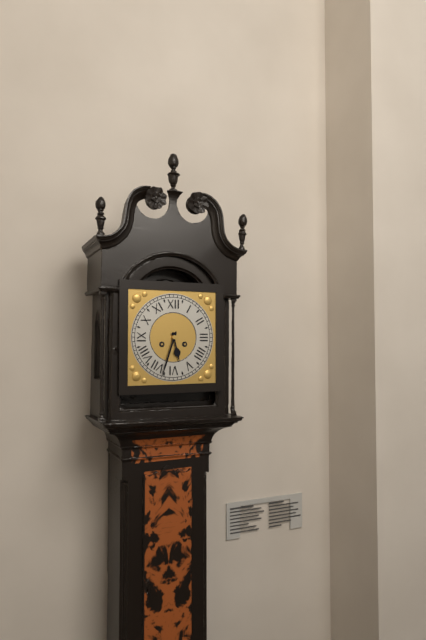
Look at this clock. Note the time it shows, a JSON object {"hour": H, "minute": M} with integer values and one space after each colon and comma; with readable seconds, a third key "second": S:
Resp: {"hour": 5, "minute": 33}
